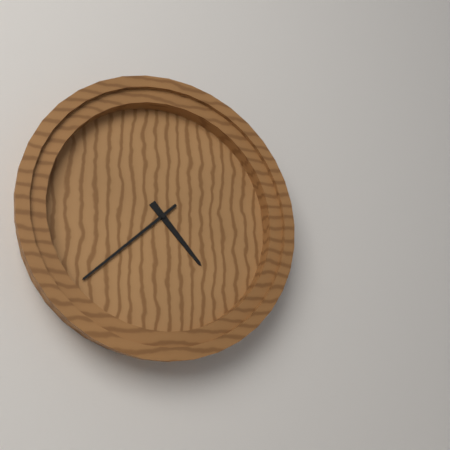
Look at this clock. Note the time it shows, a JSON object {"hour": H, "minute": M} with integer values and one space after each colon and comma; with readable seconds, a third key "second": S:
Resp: {"hour": 4, "minute": 38}
